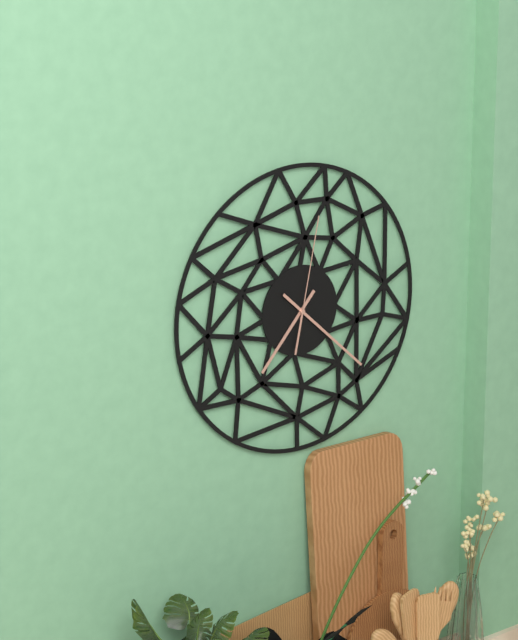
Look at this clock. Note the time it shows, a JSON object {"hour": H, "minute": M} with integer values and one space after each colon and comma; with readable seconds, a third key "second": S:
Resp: {"hour": 7, "minute": 22, "second": 2}
